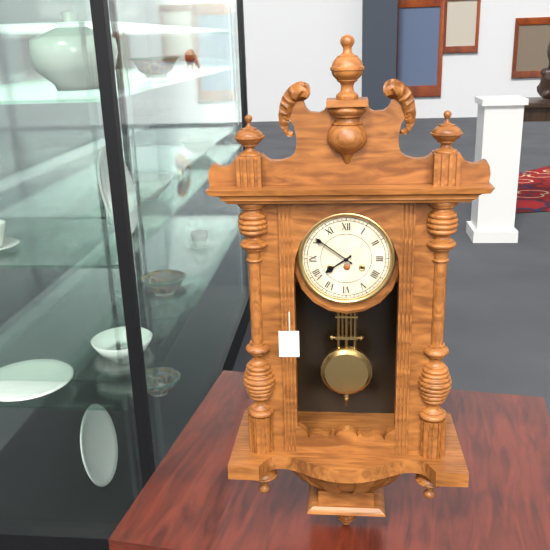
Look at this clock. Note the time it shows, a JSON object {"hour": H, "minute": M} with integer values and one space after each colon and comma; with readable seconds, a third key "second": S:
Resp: {"hour": 7, "minute": 51}
